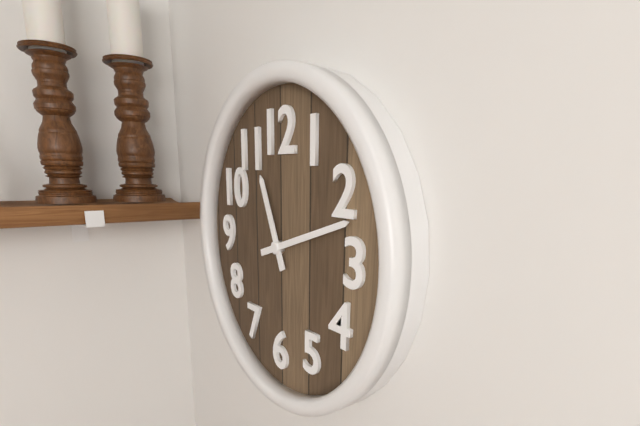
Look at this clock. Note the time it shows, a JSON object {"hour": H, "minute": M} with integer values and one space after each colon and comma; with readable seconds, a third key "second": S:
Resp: {"hour": 11, "minute": 12}
